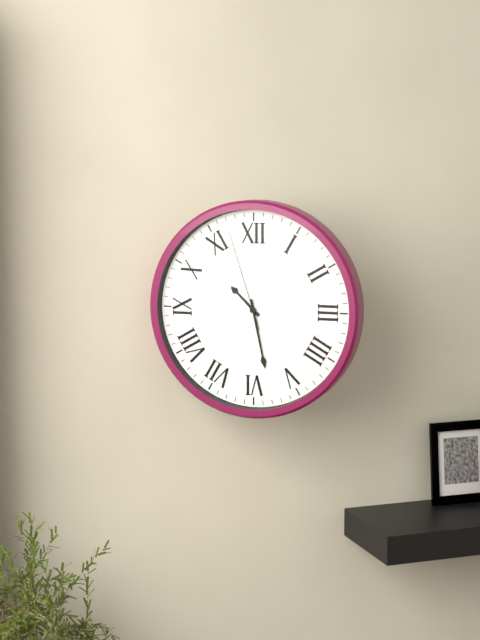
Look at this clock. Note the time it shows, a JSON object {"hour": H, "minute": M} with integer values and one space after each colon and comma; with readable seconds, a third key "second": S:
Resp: {"hour": 10, "minute": 28, "second": 57}
